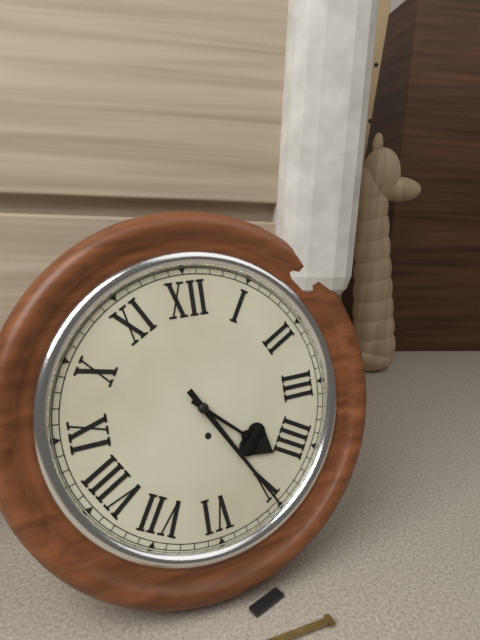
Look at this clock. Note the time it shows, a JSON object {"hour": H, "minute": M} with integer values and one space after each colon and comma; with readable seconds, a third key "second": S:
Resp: {"hour": 4, "minute": 25}
